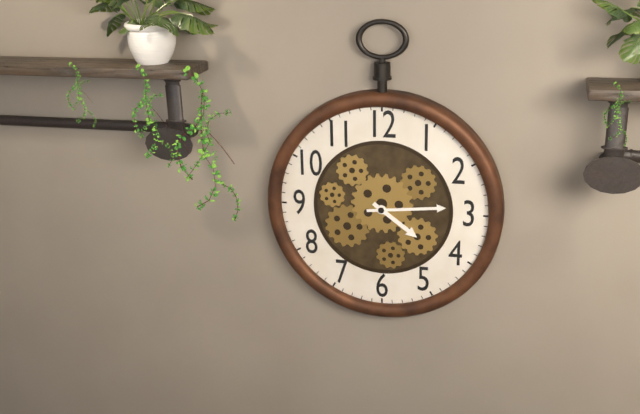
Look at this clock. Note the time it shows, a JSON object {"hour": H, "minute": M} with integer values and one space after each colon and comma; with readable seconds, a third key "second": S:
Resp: {"hour": 4, "minute": 14}
